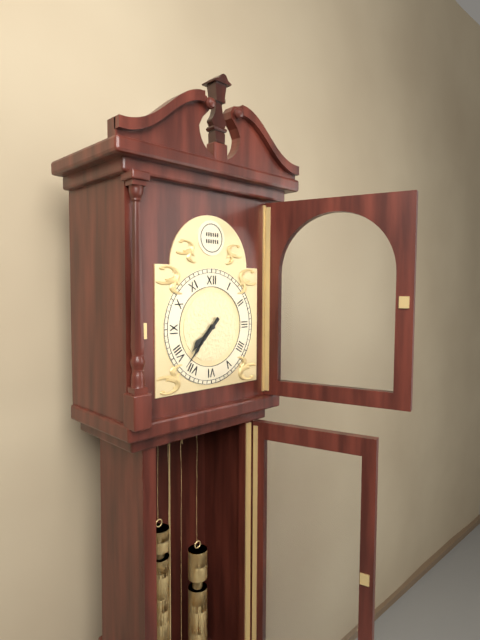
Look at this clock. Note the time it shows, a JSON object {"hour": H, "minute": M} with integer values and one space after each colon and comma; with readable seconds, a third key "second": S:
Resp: {"hour": 7, "minute": 37}
